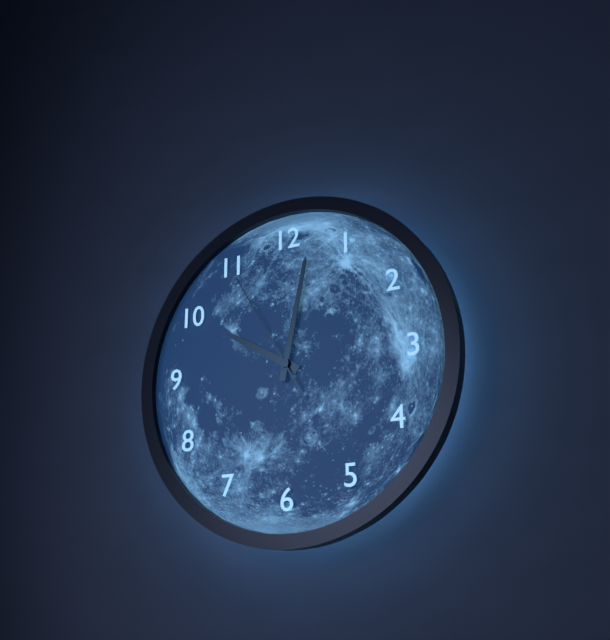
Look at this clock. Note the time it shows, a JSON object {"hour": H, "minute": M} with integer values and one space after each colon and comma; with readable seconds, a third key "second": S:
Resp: {"hour": 10, "minute": 2, "second": 55}
